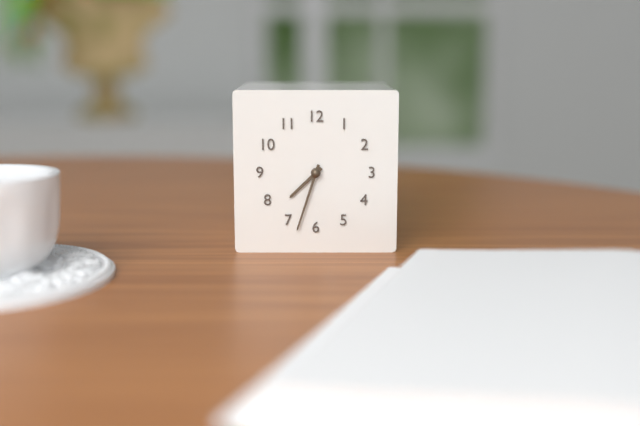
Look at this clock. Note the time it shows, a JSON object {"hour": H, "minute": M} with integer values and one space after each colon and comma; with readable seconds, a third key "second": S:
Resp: {"hour": 7, "minute": 33}
